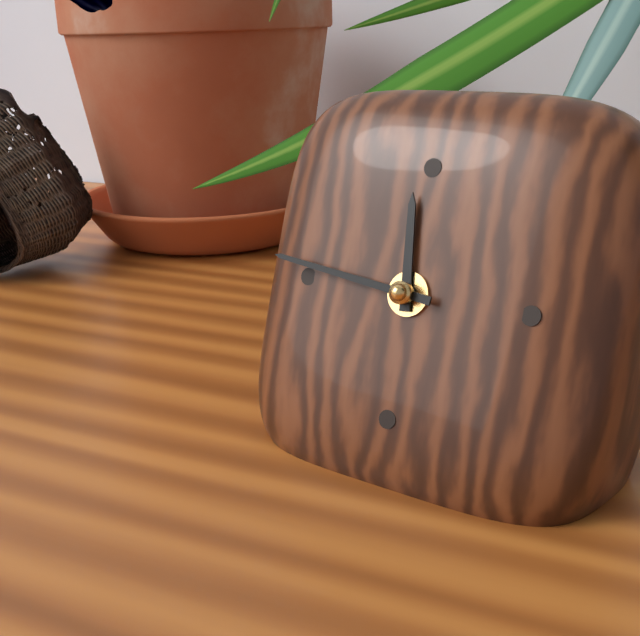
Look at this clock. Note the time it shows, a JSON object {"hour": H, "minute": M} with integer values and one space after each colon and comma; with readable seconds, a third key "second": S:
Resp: {"hour": 11, "minute": 46}
